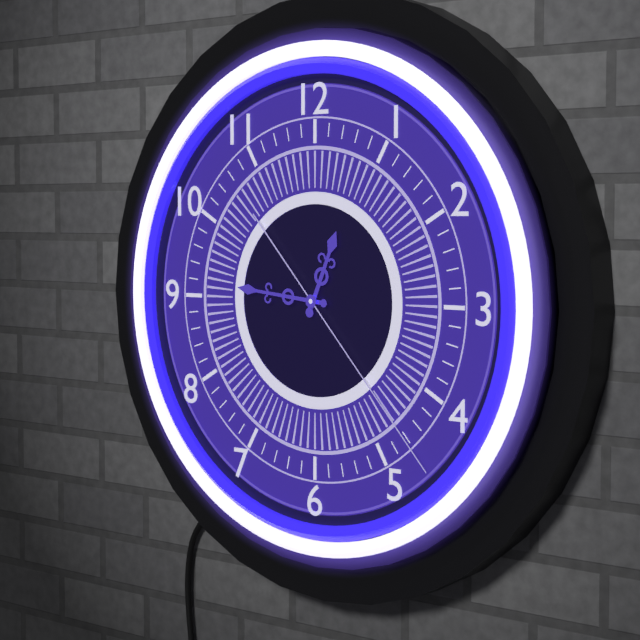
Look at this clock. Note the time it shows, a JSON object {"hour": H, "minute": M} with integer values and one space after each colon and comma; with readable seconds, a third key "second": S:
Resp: {"hour": 12, "minute": 46, "second": 23}
